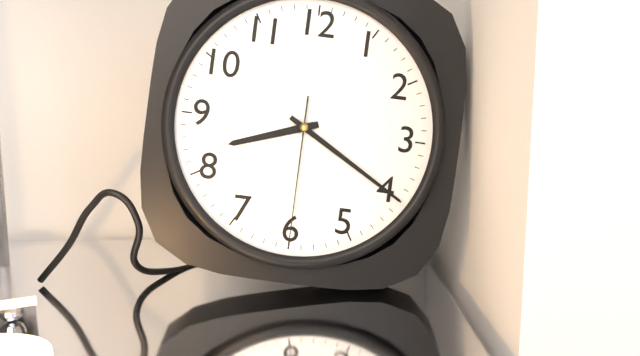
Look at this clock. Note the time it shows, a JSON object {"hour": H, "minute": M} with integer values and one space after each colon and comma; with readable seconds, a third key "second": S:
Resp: {"hour": 8, "minute": 20, "second": 30}
